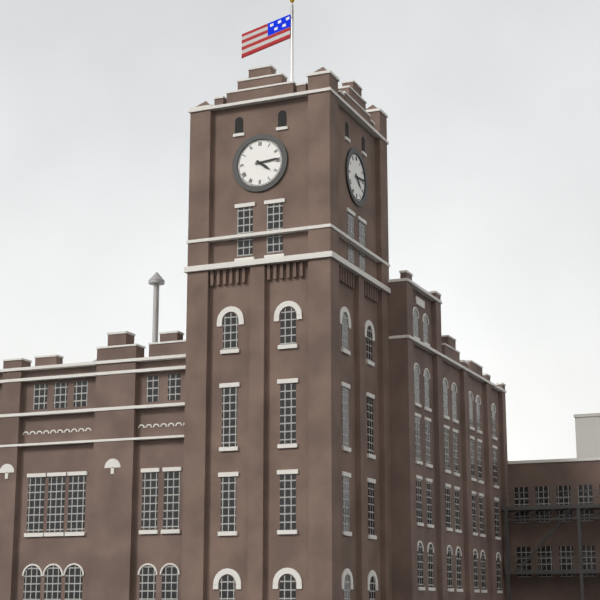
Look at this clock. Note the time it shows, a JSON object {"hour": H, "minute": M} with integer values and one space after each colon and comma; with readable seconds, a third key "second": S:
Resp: {"hour": 4, "minute": 14}
